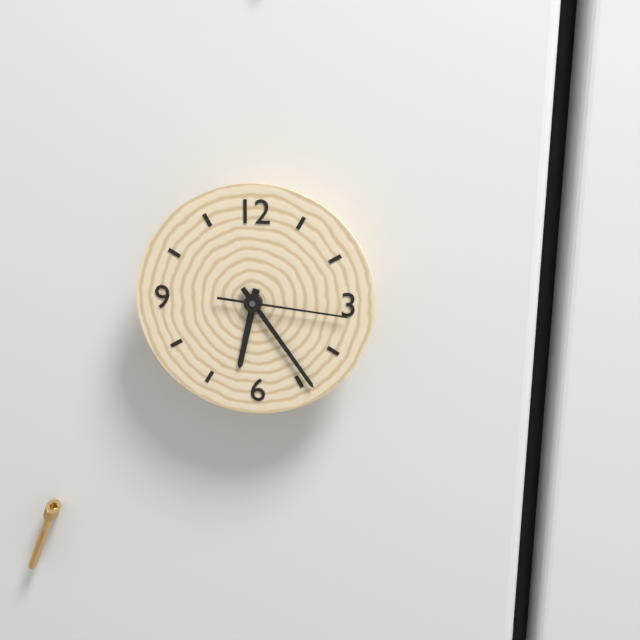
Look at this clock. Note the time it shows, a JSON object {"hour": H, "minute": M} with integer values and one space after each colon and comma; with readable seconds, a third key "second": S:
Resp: {"hour": 6, "minute": 24, "second": 16}
